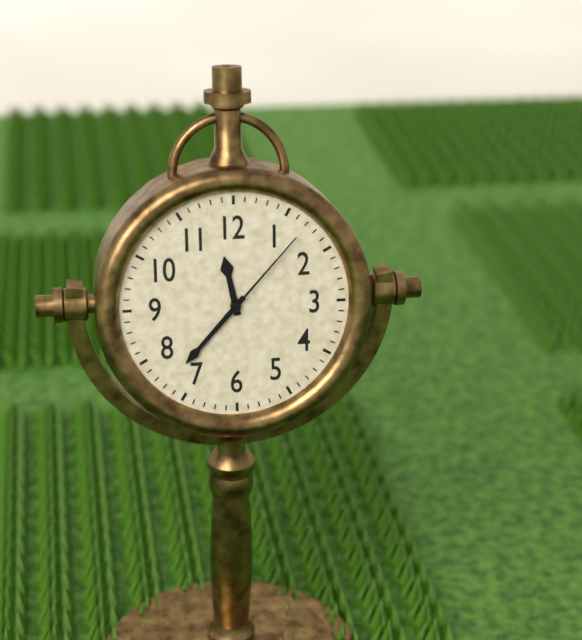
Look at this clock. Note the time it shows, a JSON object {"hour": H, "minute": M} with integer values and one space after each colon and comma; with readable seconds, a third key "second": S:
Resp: {"hour": 11, "minute": 37, "second": 7}
